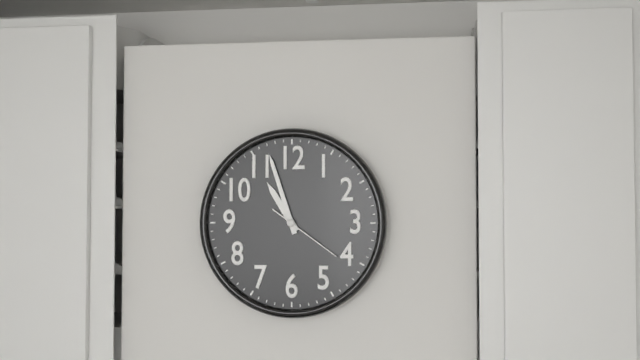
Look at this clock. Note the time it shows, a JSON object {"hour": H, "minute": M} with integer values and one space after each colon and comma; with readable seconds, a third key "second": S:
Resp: {"hour": 10, "minute": 57, "second": 21}
